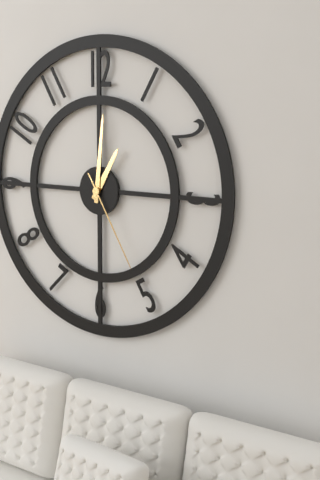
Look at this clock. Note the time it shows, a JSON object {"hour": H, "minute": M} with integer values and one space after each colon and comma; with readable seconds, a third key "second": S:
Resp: {"hour": 1, "minute": 1, "second": 25}
